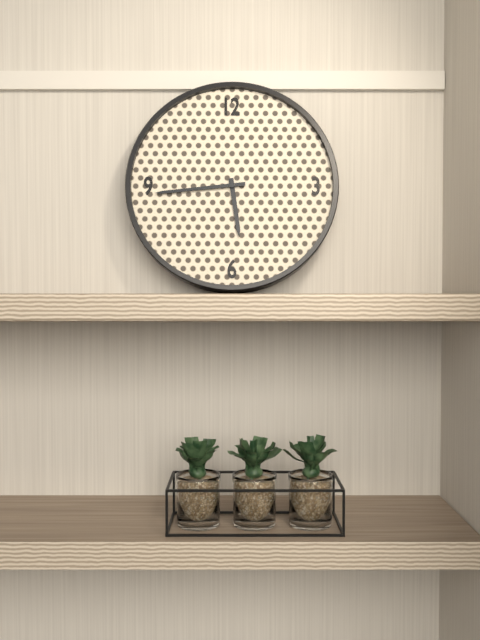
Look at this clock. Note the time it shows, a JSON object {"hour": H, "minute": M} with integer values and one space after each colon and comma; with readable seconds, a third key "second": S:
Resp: {"hour": 5, "minute": 44}
